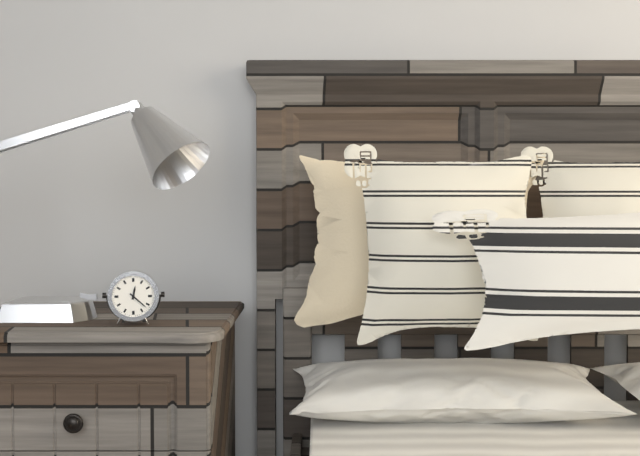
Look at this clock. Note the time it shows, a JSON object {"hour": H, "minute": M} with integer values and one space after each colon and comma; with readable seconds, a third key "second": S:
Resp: {"hour": 12, "minute": 22}
